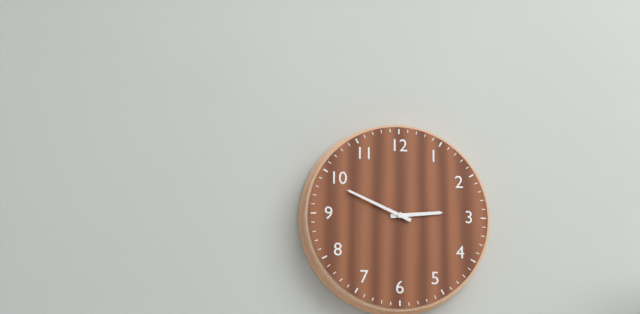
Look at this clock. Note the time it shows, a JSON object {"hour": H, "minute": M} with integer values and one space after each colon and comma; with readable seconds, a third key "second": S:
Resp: {"hour": 2, "minute": 49}
